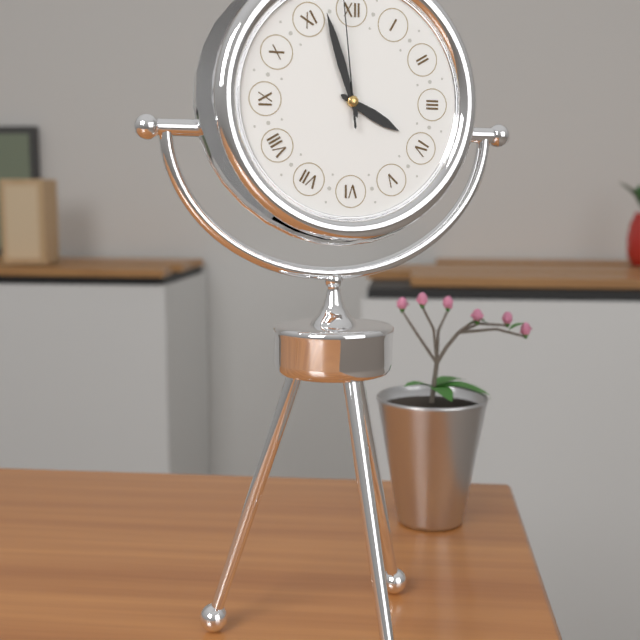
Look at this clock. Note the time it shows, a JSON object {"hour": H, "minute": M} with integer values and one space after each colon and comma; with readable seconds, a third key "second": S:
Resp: {"hour": 3, "minute": 57}
